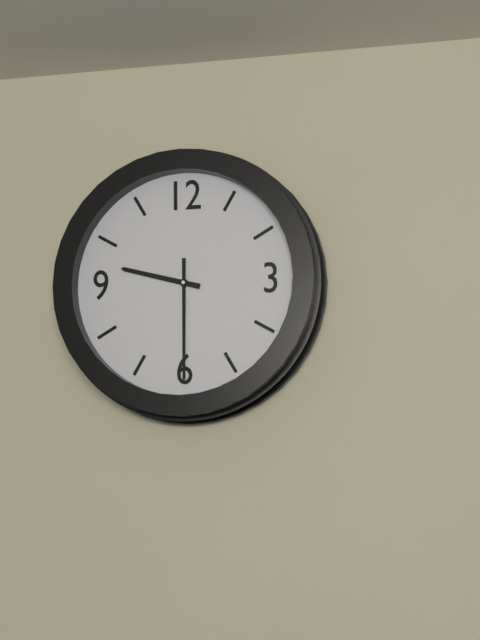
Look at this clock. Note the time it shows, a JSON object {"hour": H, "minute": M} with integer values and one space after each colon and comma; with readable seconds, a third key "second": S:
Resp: {"hour": 9, "minute": 30}
